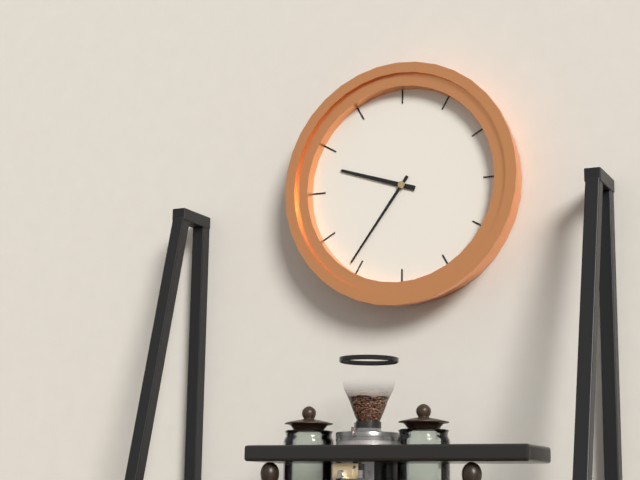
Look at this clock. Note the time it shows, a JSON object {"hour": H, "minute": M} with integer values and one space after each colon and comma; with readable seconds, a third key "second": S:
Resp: {"hour": 9, "minute": 36}
